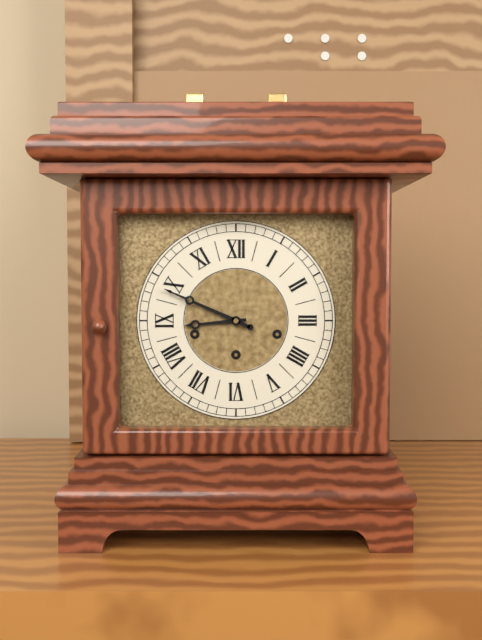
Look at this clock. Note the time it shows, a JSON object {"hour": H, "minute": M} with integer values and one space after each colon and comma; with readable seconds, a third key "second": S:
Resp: {"hour": 8, "minute": 49}
